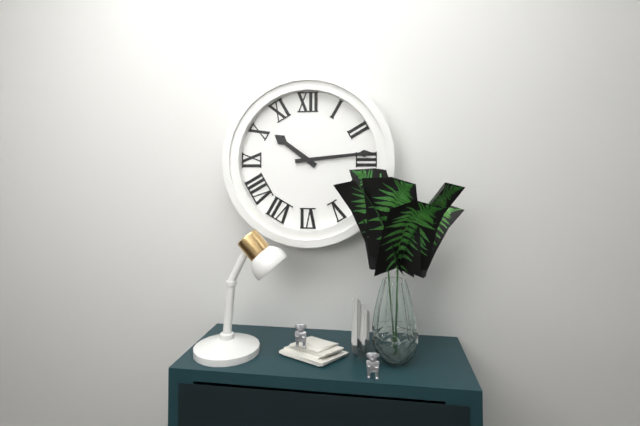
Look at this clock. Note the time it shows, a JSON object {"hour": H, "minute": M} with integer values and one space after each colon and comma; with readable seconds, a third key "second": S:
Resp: {"hour": 10, "minute": 14}
